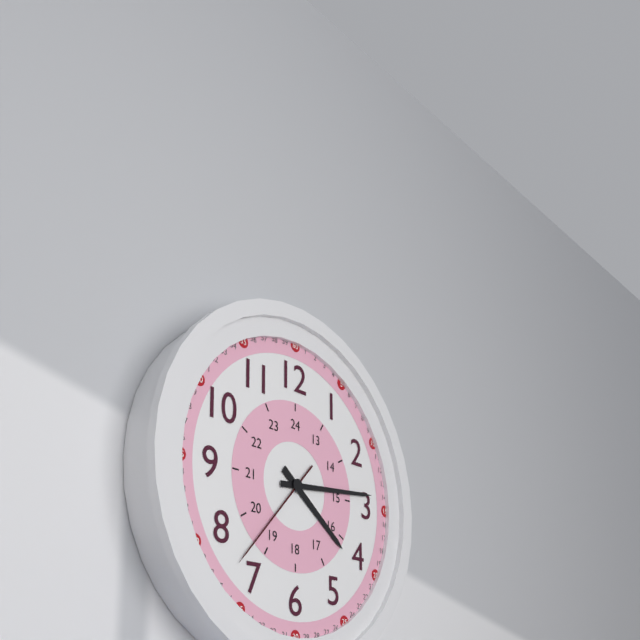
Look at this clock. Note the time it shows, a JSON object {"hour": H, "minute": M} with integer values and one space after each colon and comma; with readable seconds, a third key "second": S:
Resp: {"hour": 4, "minute": 14, "second": 37}
